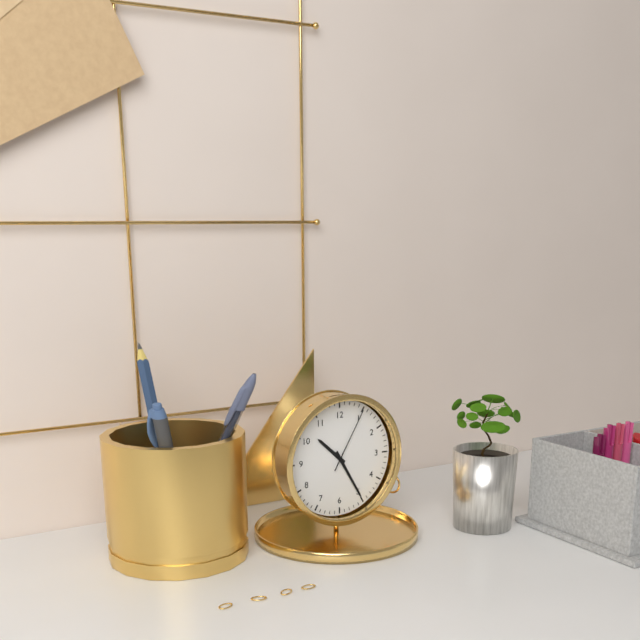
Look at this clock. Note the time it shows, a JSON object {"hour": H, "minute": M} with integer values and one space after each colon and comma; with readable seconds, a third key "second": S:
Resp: {"hour": 10, "minute": 25, "second": 5}
